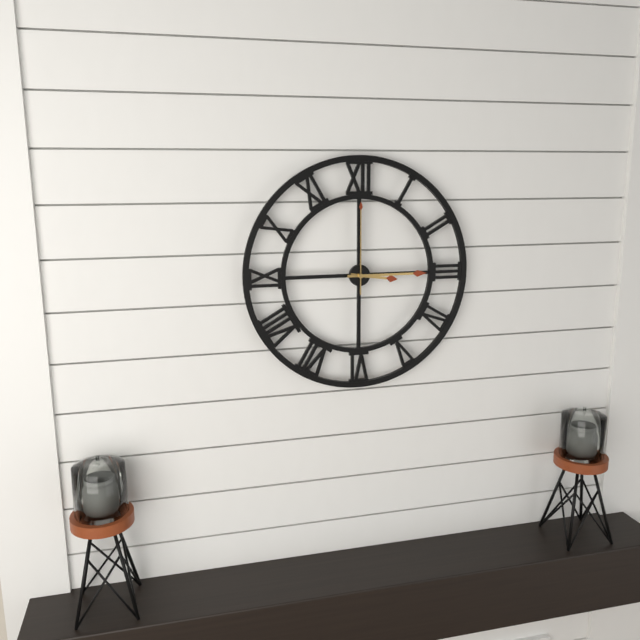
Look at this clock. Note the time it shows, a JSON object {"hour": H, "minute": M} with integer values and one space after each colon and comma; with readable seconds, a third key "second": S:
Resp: {"hour": 3, "minute": 15, "second": 0}
